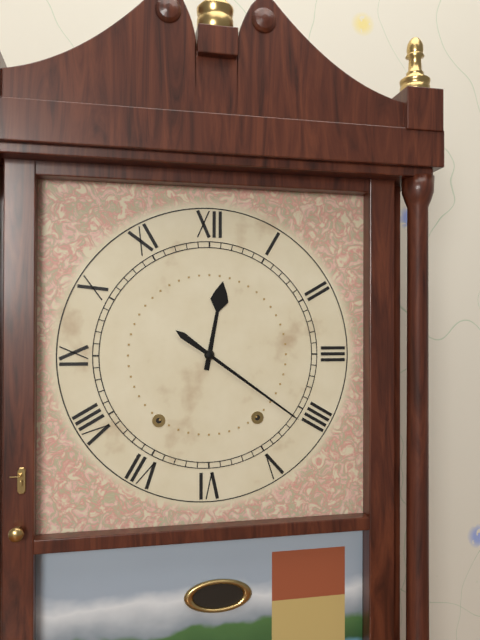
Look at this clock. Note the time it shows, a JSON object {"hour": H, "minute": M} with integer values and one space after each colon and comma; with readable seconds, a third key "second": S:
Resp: {"hour": 12, "minute": 21}
